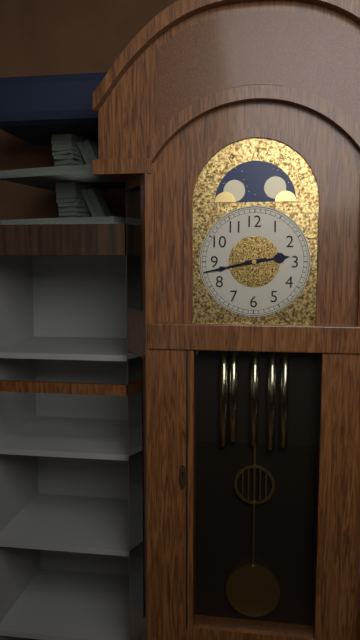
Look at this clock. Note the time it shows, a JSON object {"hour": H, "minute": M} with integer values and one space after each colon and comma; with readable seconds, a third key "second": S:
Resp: {"hour": 2, "minute": 43}
